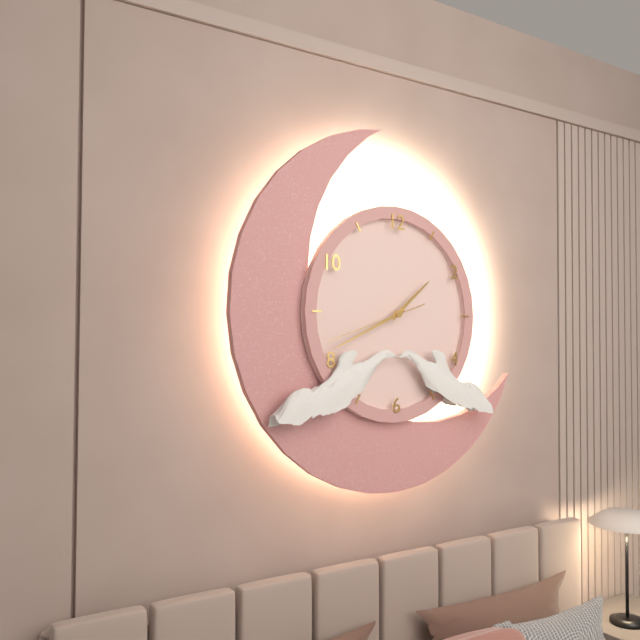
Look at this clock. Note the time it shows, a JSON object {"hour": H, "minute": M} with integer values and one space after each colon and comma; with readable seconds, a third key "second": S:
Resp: {"hour": 1, "minute": 41, "second": 42}
